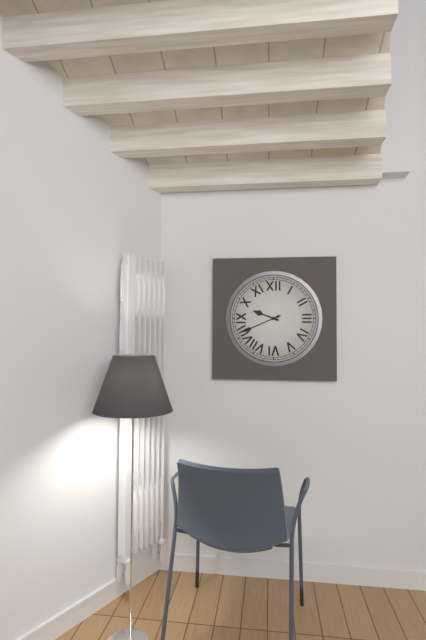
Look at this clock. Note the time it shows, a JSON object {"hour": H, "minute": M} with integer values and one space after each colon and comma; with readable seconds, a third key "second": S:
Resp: {"hour": 9, "minute": 41}
